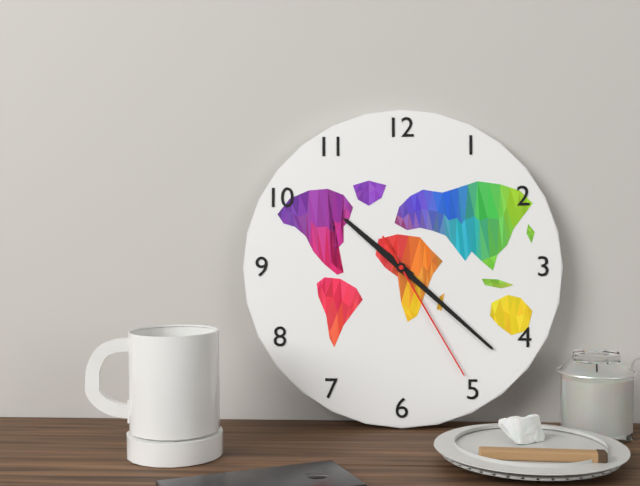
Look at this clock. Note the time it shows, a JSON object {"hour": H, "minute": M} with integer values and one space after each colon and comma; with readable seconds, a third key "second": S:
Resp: {"hour": 10, "minute": 22, "second": 25}
